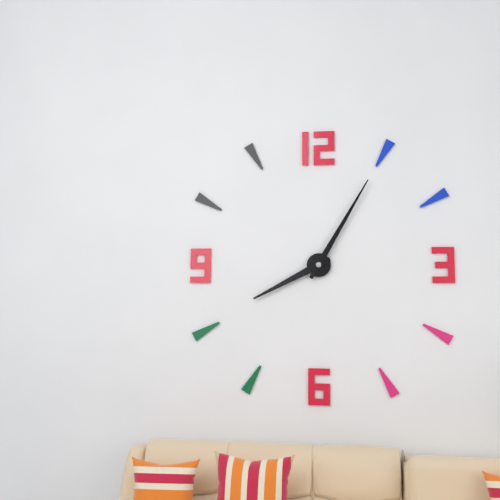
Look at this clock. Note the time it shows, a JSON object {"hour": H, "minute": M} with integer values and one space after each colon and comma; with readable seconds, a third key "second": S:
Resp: {"hour": 8, "minute": 5}
